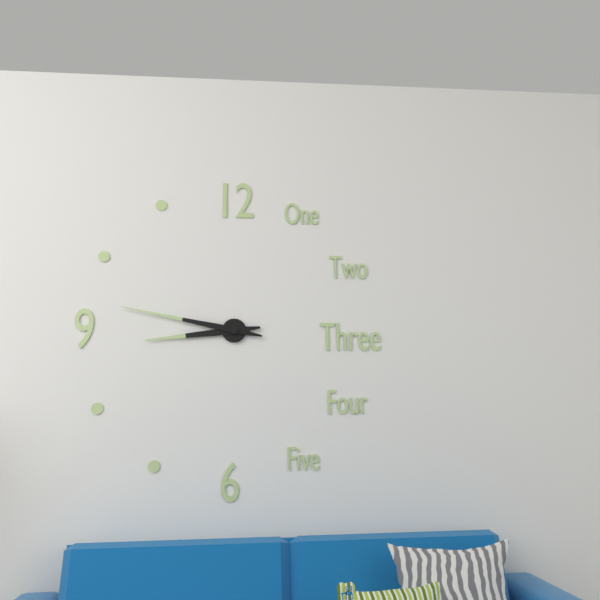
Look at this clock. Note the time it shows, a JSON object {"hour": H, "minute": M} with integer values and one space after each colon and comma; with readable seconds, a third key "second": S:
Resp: {"hour": 8, "minute": 47}
